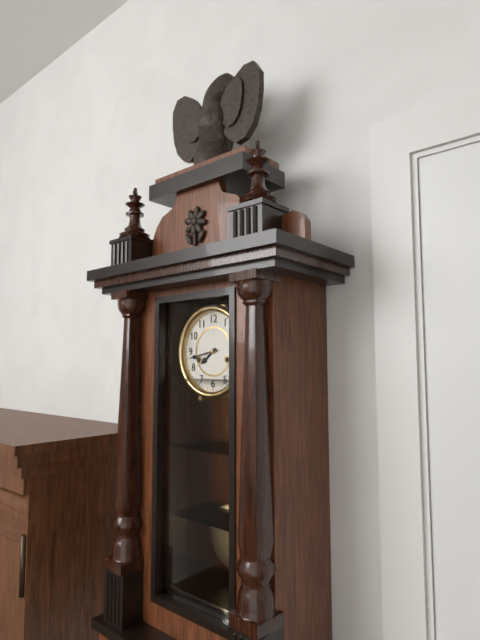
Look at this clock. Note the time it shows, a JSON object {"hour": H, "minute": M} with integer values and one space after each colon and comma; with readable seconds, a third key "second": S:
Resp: {"hour": 7, "minute": 43}
